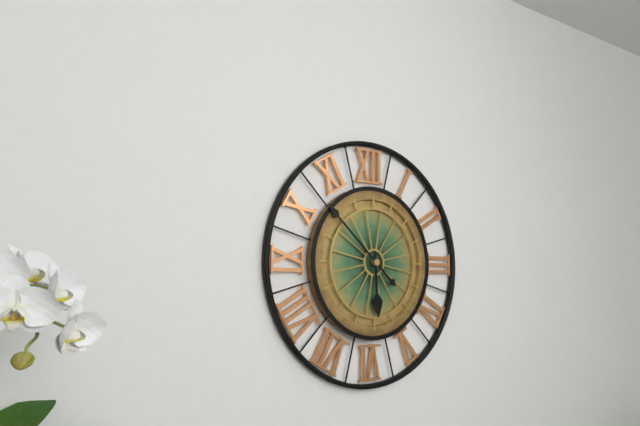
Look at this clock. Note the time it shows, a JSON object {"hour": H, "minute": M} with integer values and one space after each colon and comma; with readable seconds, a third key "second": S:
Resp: {"hour": 5, "minute": 52}
